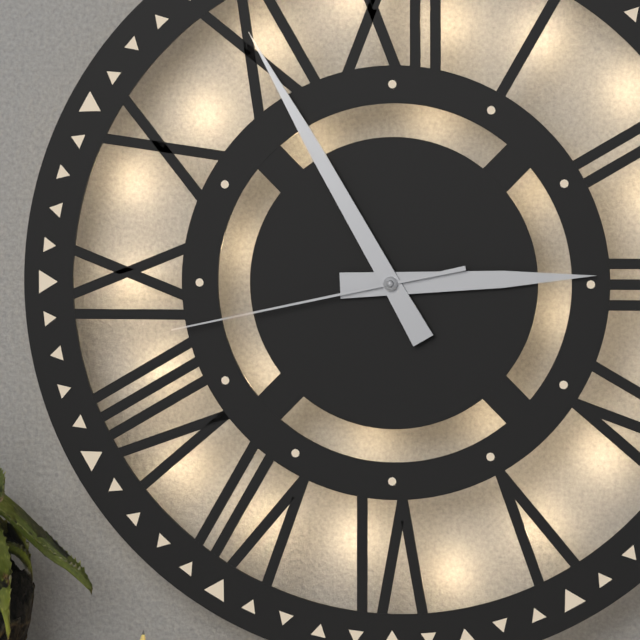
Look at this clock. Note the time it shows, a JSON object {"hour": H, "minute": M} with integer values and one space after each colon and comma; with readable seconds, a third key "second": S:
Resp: {"hour": 2, "minute": 55, "second": 43}
